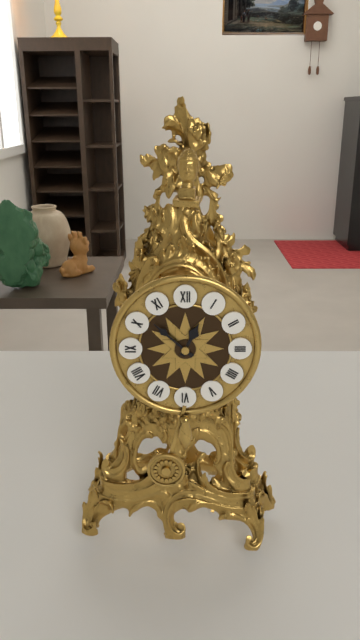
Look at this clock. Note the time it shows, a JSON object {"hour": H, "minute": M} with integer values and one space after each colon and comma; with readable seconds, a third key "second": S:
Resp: {"hour": 12, "minute": 52}
